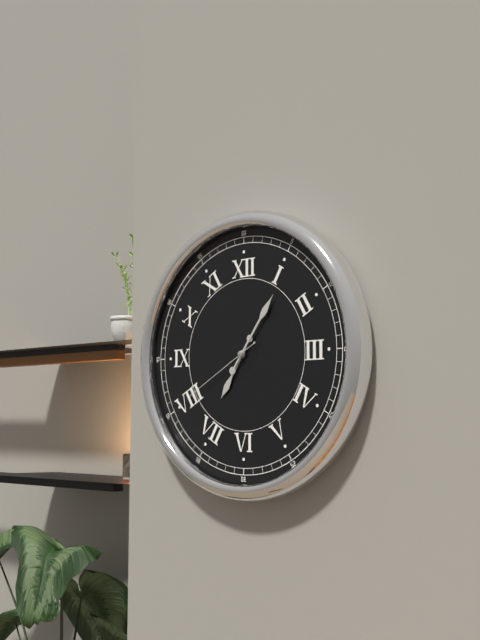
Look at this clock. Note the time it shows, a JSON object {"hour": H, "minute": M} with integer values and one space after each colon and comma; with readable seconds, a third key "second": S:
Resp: {"hour": 7, "minute": 6, "second": 40}
